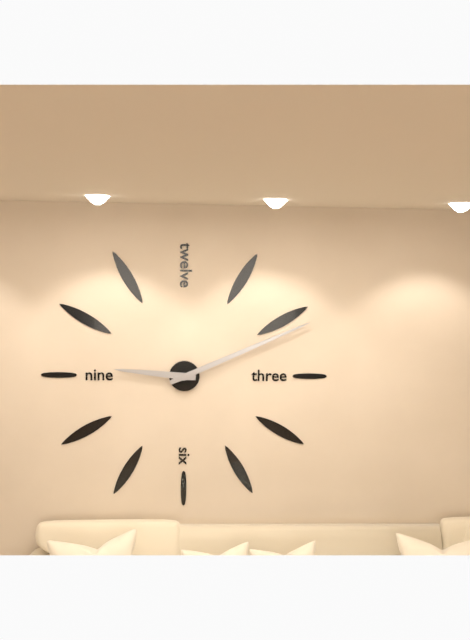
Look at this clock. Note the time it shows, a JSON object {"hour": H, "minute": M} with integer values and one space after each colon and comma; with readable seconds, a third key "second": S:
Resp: {"hour": 9, "minute": 11}
